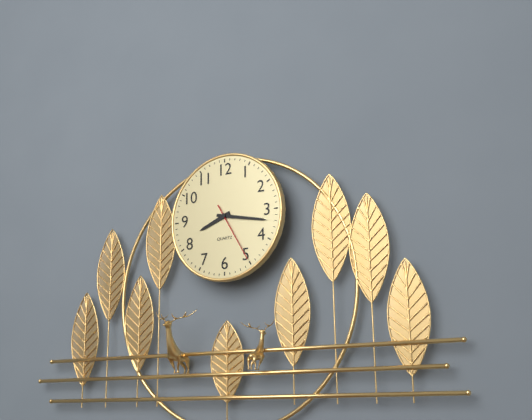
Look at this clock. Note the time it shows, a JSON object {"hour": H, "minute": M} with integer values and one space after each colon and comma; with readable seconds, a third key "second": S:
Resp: {"hour": 8, "minute": 17, "second": 25}
